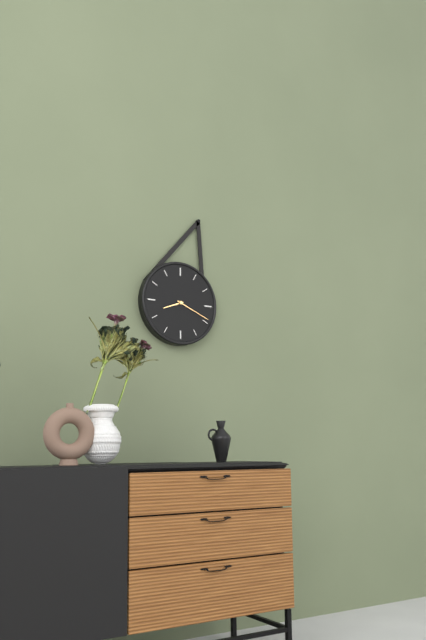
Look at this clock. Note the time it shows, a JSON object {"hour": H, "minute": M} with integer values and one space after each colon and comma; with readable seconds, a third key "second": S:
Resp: {"hour": 8, "minute": 19}
